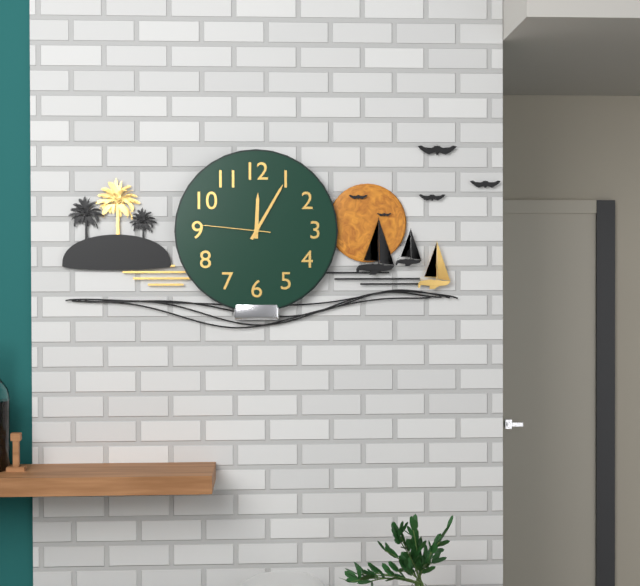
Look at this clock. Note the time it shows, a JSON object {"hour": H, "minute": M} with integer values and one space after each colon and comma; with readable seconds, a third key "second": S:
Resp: {"hour": 12, "minute": 5, "second": 46}
